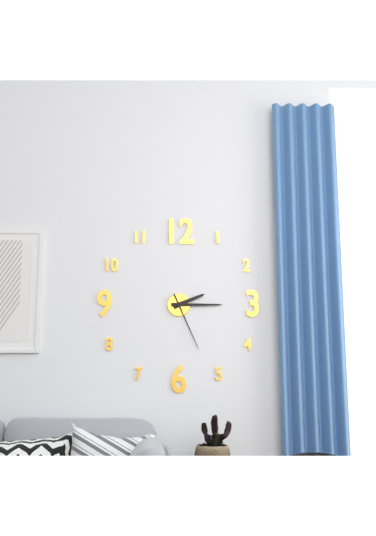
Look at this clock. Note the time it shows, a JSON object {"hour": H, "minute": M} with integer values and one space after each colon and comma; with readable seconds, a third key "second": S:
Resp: {"hour": 2, "minute": 15, "second": 26}
